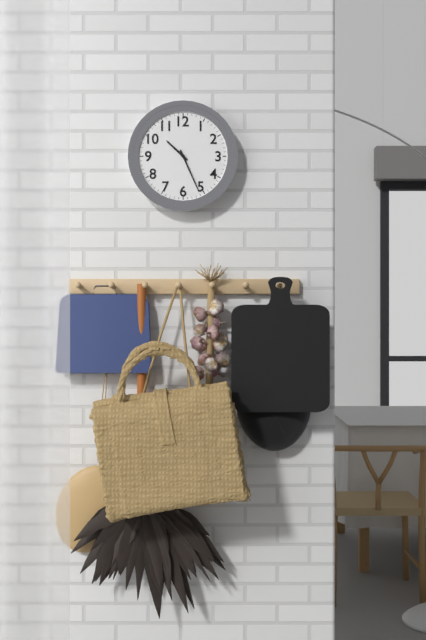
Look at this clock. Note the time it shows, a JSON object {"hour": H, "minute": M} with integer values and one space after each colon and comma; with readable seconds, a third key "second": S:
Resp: {"hour": 10, "minute": 26}
